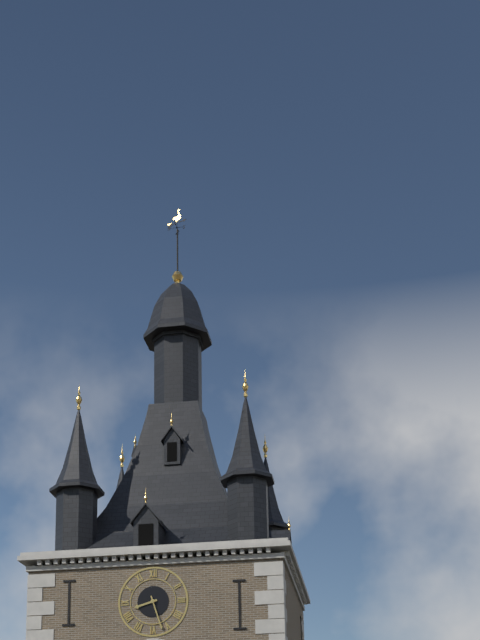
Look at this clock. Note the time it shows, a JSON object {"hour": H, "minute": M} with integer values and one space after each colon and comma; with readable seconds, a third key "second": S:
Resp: {"hour": 8, "minute": 27}
